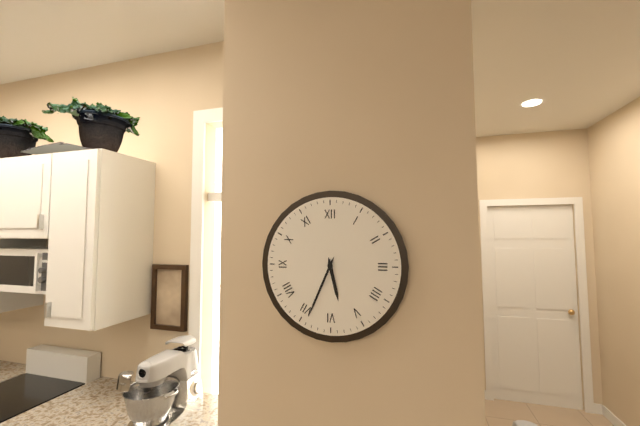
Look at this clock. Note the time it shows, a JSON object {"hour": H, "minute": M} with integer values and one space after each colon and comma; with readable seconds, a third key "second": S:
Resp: {"hour": 5, "minute": 34}
